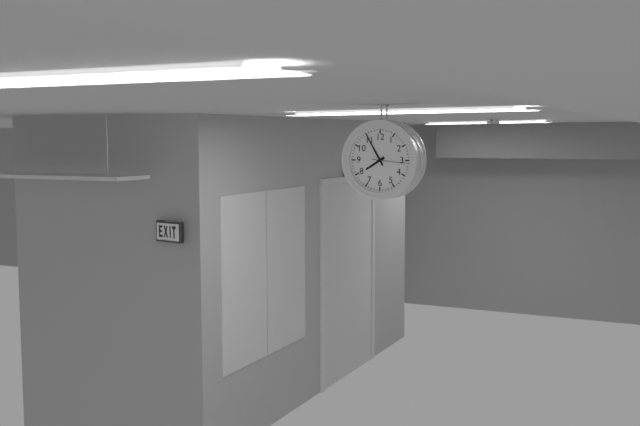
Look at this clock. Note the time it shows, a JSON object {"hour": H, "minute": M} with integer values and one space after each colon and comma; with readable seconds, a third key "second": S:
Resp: {"hour": 7, "minute": 55}
